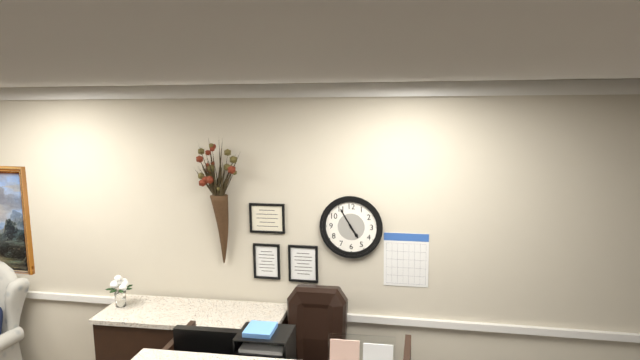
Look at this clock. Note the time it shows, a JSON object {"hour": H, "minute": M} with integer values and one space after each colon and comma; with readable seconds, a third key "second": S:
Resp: {"hour": 4, "minute": 55}
